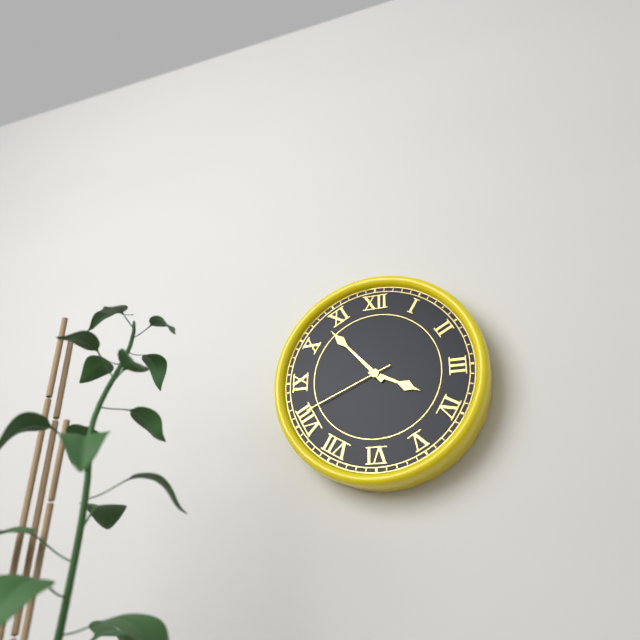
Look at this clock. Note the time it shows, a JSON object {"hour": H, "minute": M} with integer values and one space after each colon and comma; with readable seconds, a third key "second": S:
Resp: {"hour": 3, "minute": 53, "second": 41}
